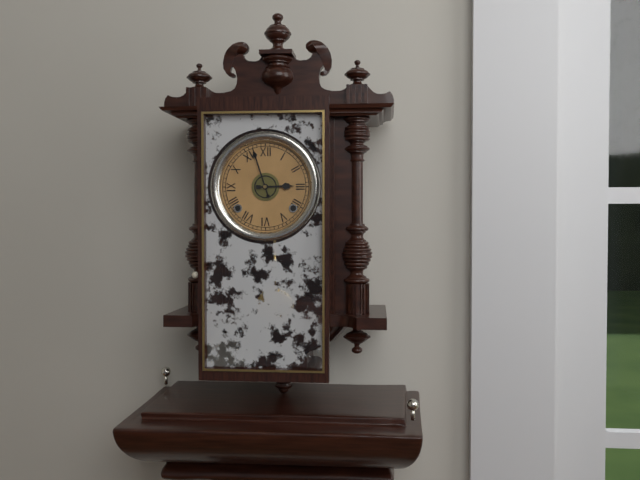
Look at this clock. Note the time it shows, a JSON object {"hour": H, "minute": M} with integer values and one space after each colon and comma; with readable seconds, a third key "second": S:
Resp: {"hour": 2, "minute": 57}
